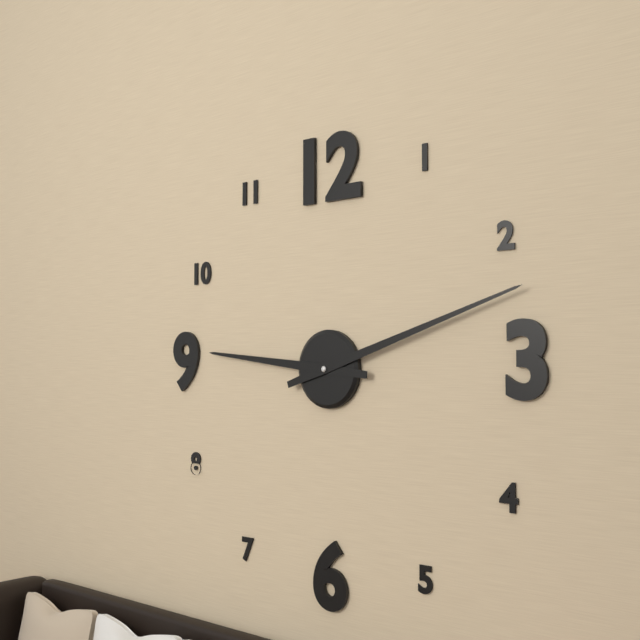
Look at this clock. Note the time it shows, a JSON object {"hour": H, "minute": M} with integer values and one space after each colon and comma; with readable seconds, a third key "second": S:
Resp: {"hour": 9, "minute": 12}
